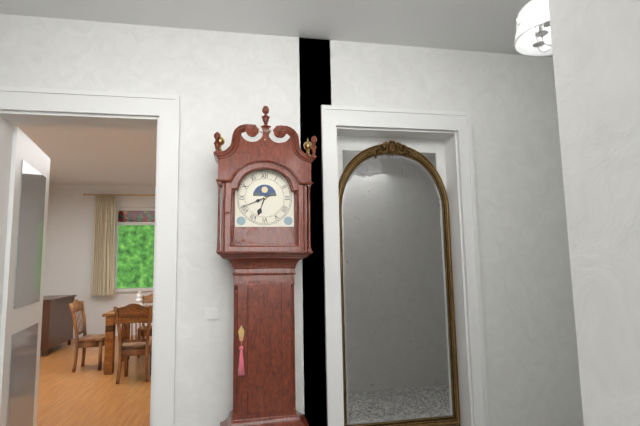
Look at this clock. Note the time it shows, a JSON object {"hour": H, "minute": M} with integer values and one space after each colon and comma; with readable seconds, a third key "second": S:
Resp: {"hour": 6, "minute": 41}
